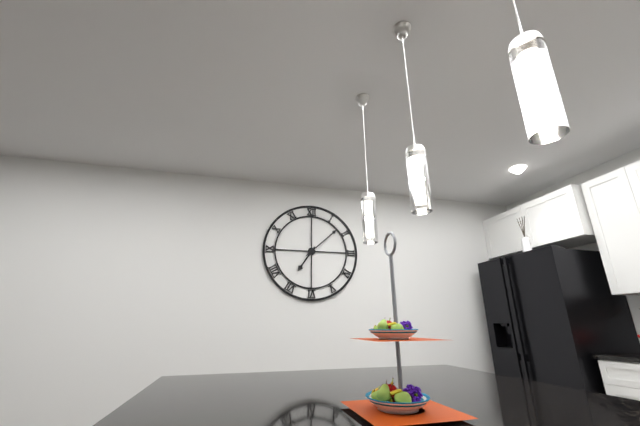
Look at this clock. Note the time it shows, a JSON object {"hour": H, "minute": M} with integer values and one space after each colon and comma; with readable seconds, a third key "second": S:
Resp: {"hour": 7, "minute": 8}
